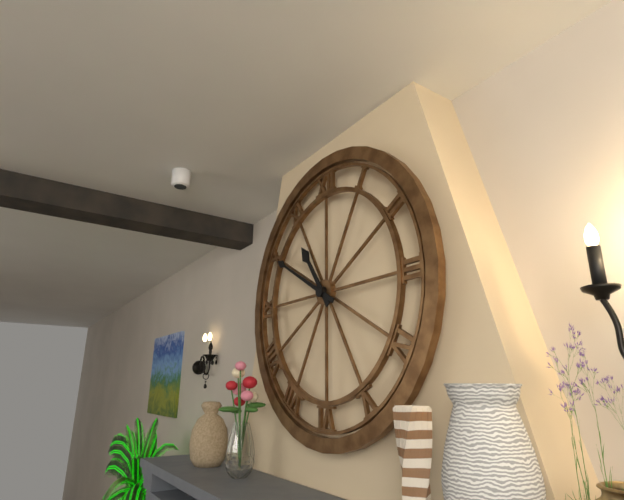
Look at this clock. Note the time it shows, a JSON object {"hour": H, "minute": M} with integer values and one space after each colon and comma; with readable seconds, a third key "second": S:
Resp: {"hour": 10, "minute": 50}
